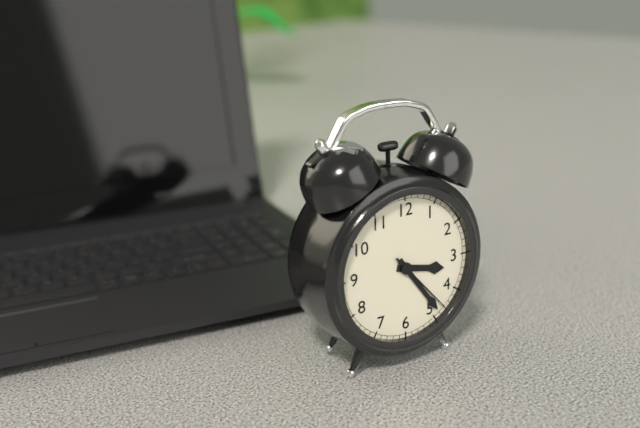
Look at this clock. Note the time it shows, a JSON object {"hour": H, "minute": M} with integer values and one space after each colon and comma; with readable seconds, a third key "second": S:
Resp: {"hour": 3, "minute": 24, "second": 23}
